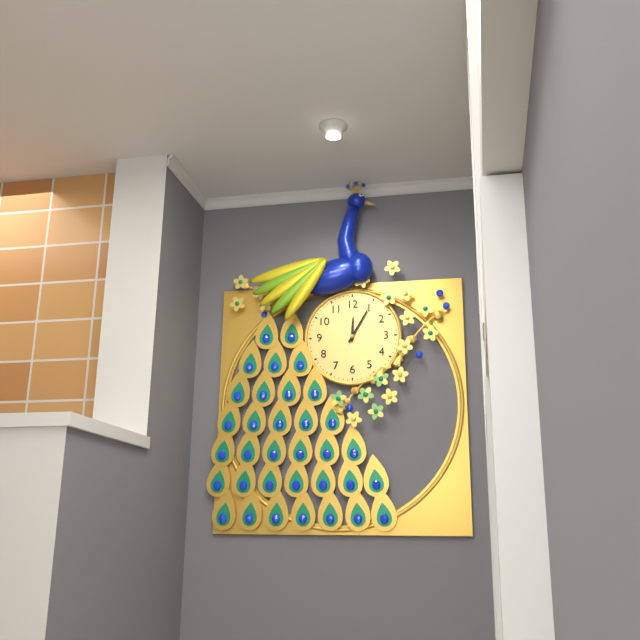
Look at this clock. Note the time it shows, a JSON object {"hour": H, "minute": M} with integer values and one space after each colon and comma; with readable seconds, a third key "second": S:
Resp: {"hour": 12, "minute": 5}
